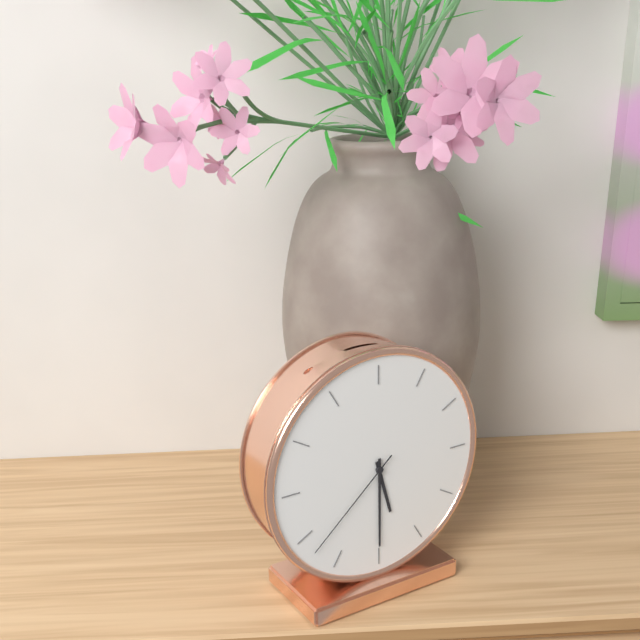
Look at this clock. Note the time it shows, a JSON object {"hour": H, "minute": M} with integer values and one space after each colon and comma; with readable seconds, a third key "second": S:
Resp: {"hour": 5, "minute": 30, "second": 38}
